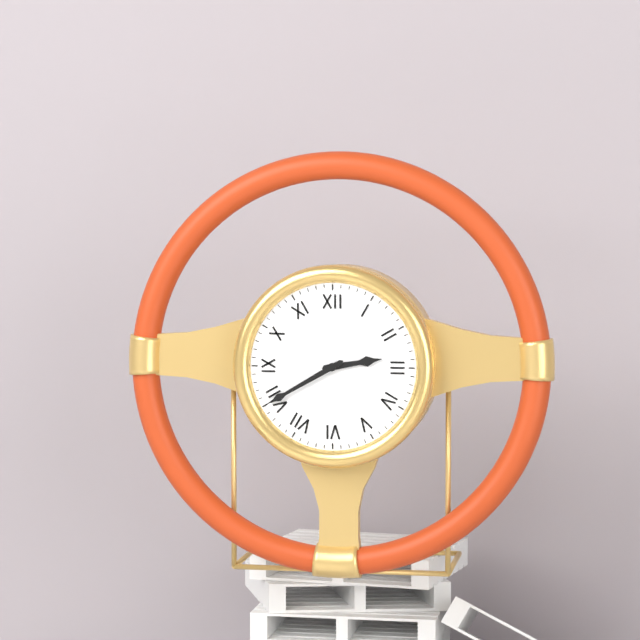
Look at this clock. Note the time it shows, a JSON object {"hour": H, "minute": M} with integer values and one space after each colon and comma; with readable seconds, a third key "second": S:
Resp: {"hour": 2, "minute": 40}
